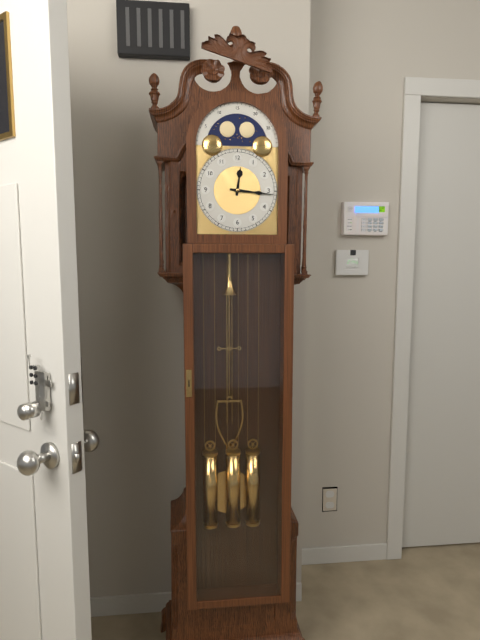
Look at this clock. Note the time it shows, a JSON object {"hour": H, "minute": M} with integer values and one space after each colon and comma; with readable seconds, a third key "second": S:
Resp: {"hour": 12, "minute": 16}
